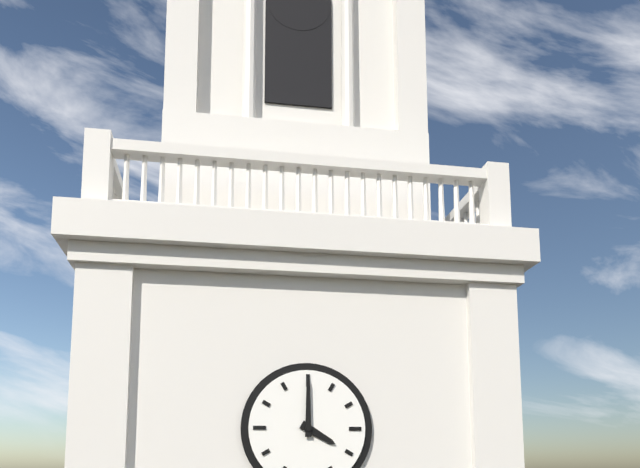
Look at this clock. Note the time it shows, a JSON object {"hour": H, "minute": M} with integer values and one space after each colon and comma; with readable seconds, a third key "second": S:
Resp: {"hour": 4, "minute": 0}
